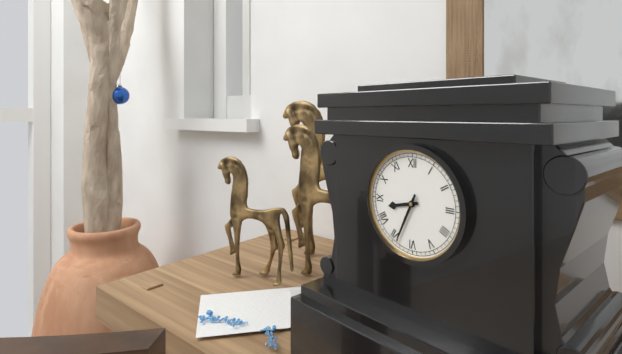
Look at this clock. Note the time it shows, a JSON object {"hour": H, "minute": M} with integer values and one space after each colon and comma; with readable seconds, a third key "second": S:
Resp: {"hour": 8, "minute": 34}
